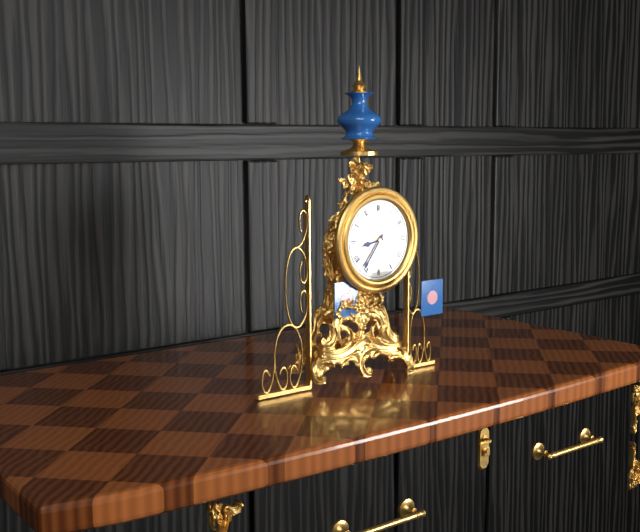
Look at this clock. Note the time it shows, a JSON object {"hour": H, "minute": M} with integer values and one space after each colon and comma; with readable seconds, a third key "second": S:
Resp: {"hour": 8, "minute": 36}
